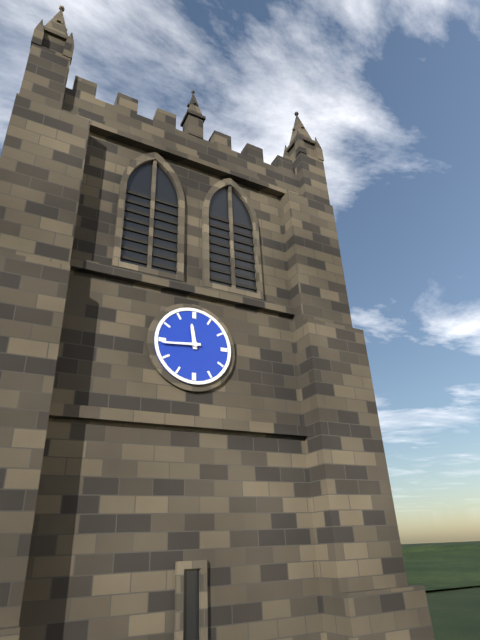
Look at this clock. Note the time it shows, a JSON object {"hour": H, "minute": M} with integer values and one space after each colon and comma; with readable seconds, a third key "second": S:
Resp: {"hour": 11, "minute": 44}
